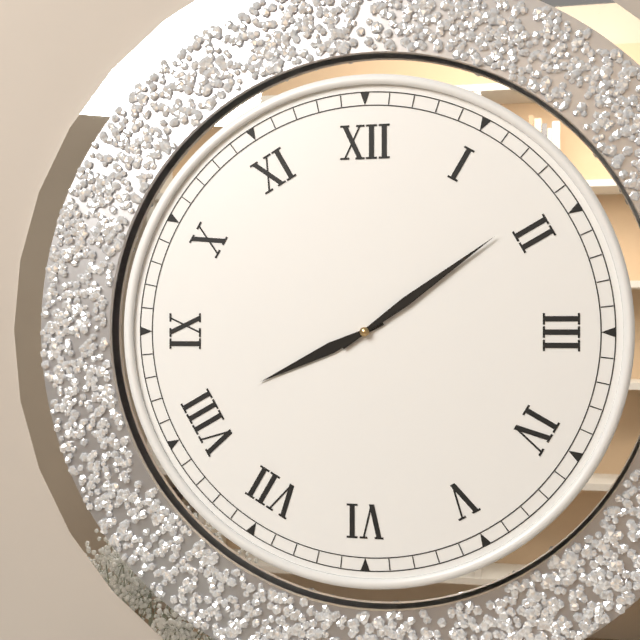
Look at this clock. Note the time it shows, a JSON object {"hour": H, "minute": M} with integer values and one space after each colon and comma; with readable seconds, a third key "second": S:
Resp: {"hour": 8, "minute": 9}
